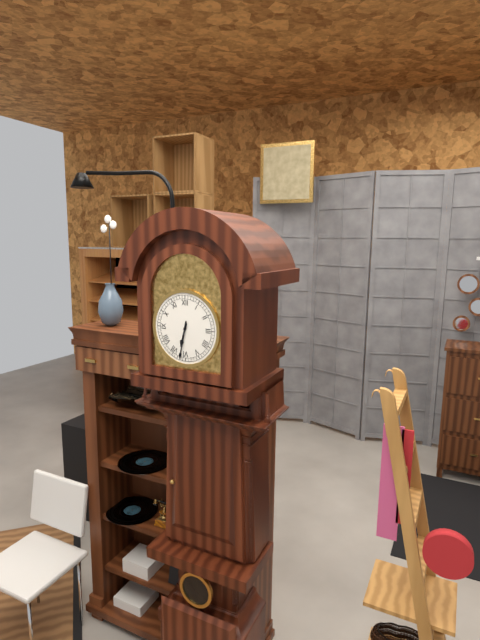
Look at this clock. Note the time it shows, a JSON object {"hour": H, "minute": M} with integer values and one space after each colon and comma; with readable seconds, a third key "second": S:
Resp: {"hour": 6, "minute": 32}
